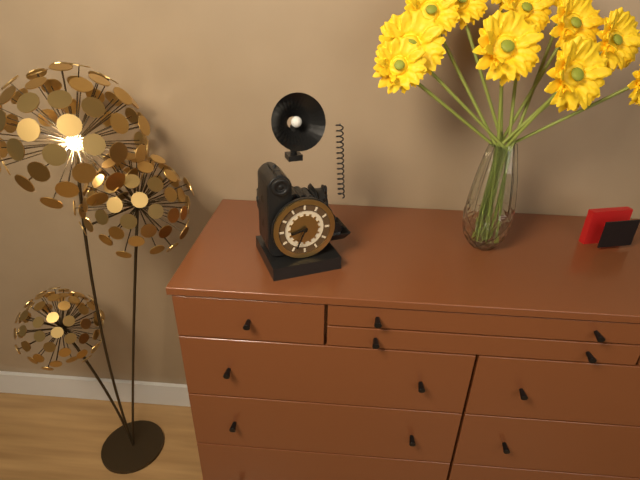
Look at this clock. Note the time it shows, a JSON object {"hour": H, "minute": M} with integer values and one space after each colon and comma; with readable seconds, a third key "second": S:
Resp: {"hour": 8, "minute": 34}
